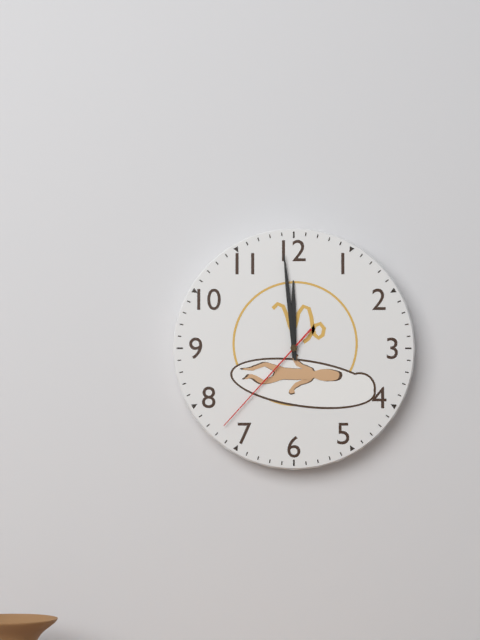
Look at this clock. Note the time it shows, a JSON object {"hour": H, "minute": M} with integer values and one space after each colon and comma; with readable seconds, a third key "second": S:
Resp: {"hour": 11, "minute": 59, "second": 37}
